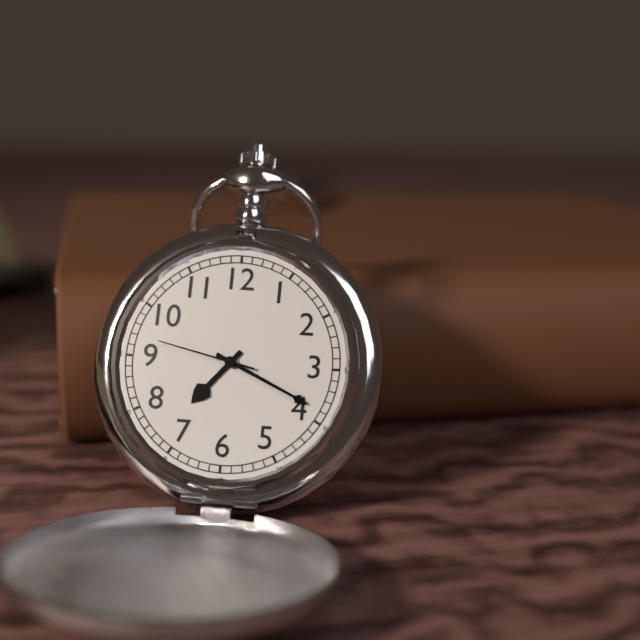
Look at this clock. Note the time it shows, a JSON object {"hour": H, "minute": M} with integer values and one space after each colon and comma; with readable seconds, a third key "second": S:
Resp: {"hour": 7, "minute": 19, "second": 47}
